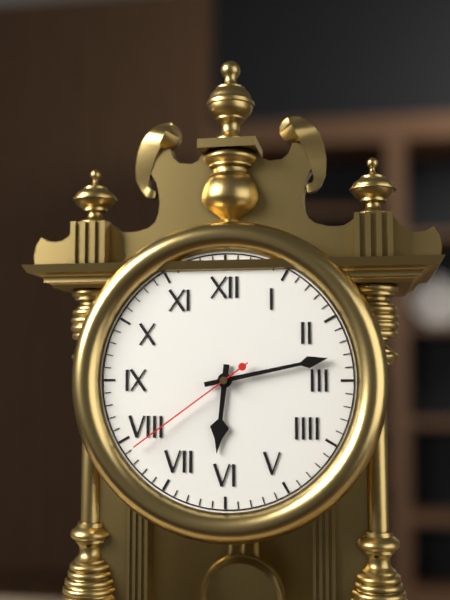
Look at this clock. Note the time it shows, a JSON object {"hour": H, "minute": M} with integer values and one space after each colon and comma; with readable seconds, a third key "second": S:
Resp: {"hour": 6, "minute": 13, "second": 39}
